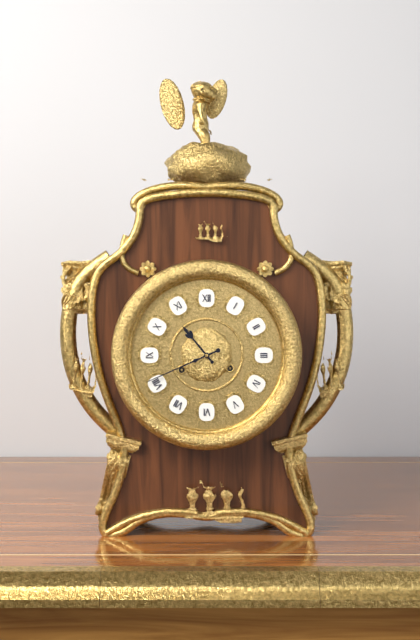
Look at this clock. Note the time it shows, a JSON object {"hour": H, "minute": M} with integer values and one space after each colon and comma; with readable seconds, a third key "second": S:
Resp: {"hour": 10, "minute": 41}
